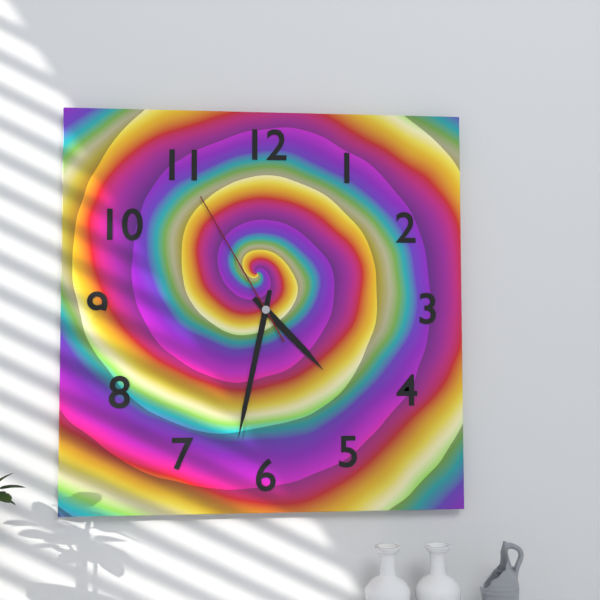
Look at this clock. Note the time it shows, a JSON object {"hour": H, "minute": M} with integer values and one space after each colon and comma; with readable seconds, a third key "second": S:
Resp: {"hour": 4, "minute": 32, "second": 55}
